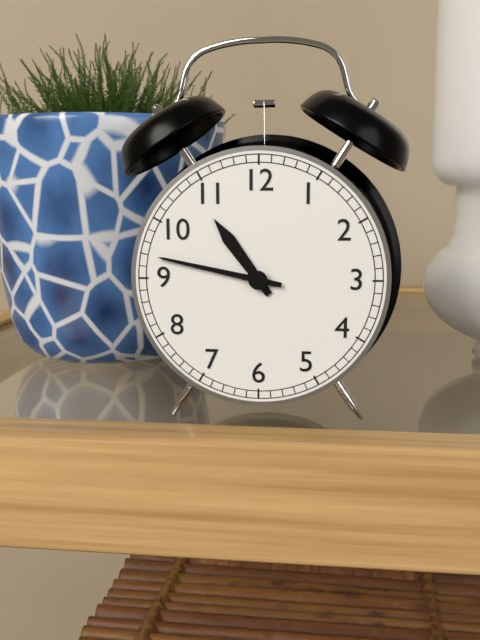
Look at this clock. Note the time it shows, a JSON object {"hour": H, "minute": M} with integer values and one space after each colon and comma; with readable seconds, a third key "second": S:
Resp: {"hour": 10, "minute": 47}
